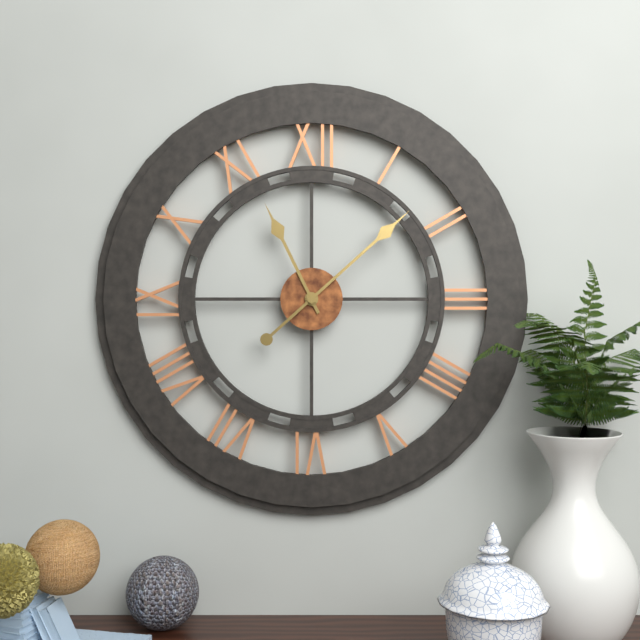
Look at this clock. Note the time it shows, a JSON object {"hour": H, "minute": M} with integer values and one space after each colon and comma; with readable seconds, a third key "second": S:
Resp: {"hour": 11, "minute": 8}
